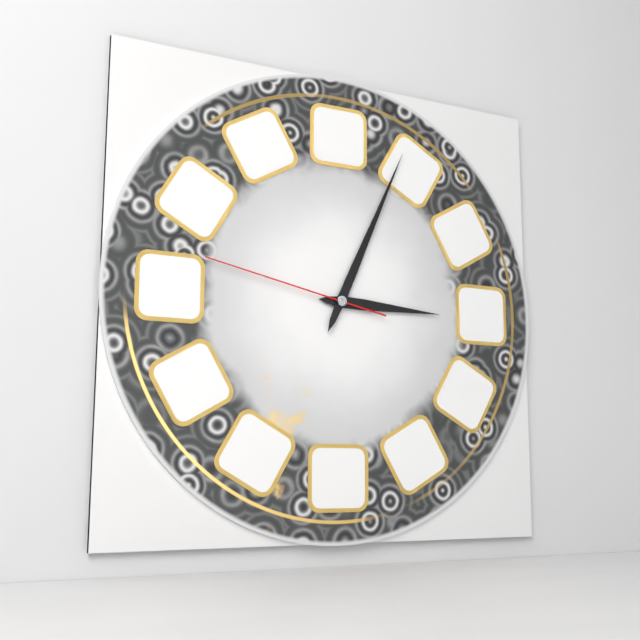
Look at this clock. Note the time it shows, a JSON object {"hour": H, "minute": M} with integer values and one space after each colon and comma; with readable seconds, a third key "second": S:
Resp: {"hour": 3, "minute": 4, "second": 47}
